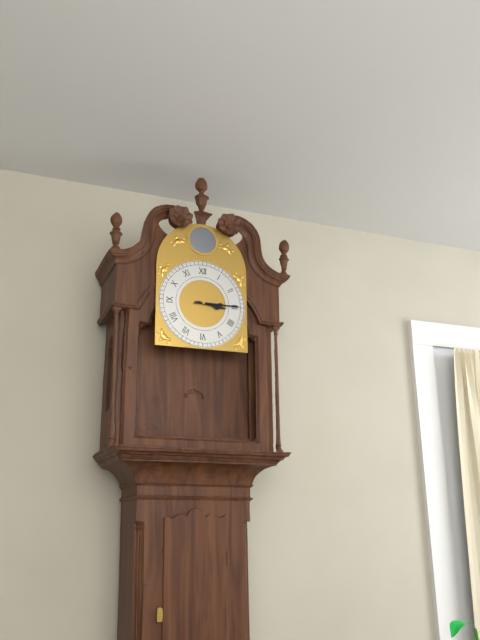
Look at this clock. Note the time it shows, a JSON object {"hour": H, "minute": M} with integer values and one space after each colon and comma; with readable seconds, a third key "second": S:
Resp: {"hour": 3, "minute": 15}
